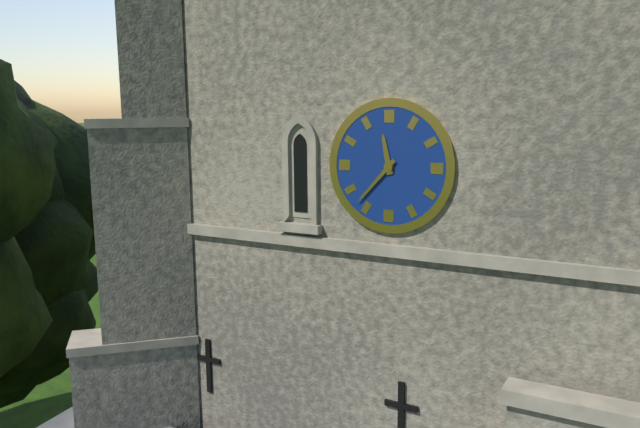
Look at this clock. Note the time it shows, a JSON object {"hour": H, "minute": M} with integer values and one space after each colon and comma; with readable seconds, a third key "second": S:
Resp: {"hour": 11, "minute": 37}
